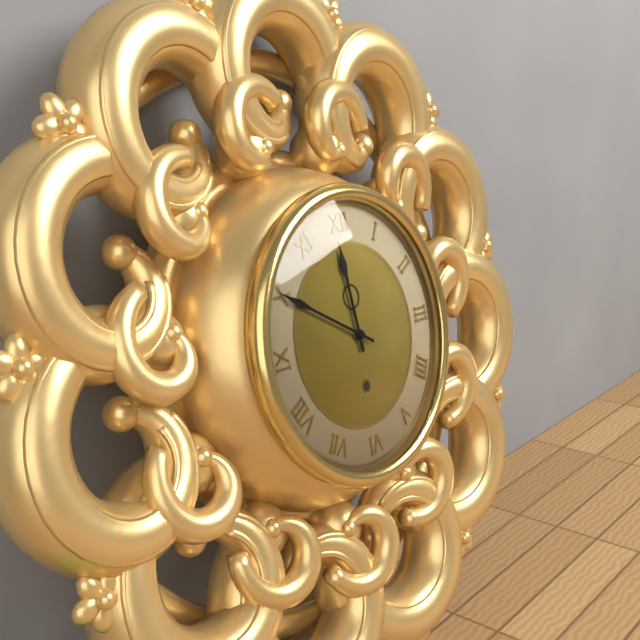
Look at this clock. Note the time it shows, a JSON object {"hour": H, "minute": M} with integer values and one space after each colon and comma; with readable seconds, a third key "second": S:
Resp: {"hour": 11, "minute": 50}
